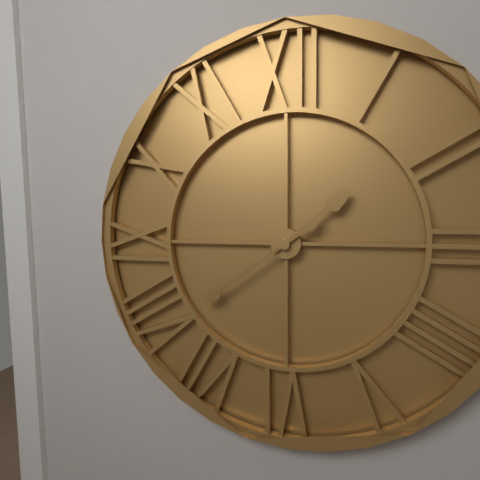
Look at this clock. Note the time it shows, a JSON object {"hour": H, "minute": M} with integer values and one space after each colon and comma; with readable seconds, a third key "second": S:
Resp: {"hour": 1, "minute": 39}
